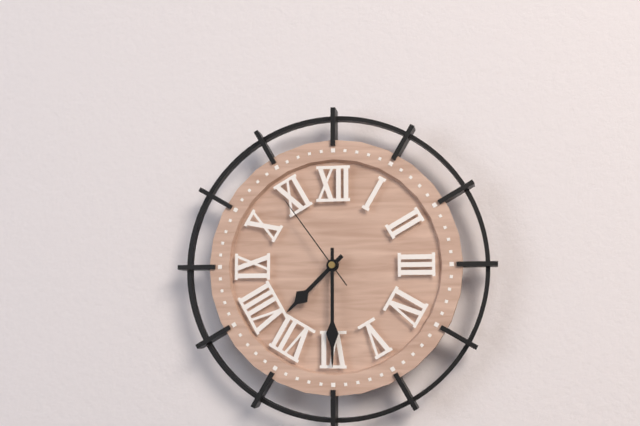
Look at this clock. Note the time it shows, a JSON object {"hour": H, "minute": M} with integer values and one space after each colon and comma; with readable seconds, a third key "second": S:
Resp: {"hour": 7, "minute": 30, "second": 54}
